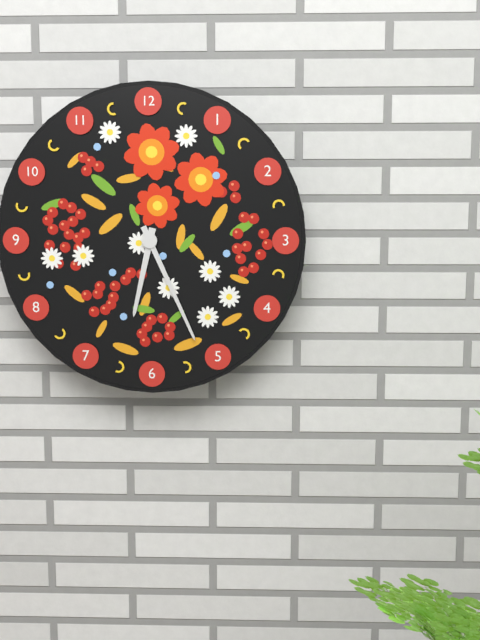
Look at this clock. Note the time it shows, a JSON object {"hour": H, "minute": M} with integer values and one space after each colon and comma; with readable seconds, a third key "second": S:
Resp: {"hour": 6, "minute": 26}
